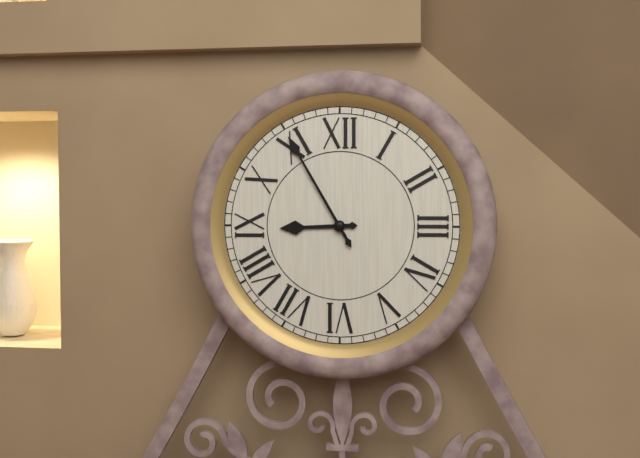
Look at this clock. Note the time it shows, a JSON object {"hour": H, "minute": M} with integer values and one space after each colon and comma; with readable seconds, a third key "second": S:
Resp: {"hour": 8, "minute": 55}
